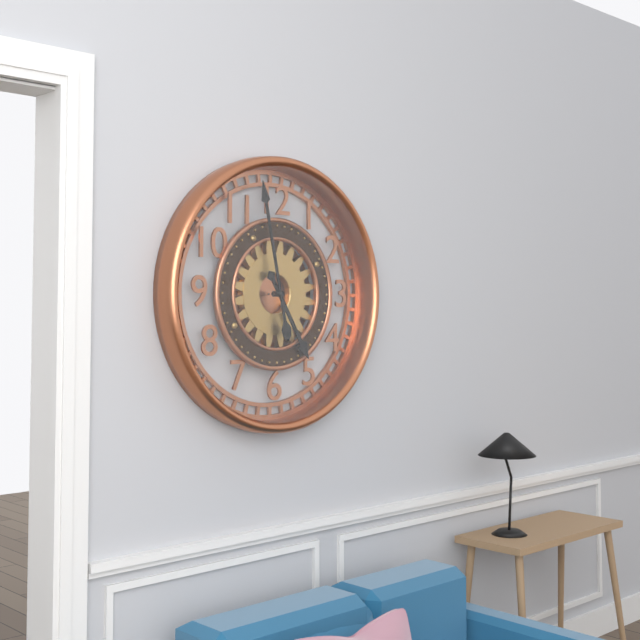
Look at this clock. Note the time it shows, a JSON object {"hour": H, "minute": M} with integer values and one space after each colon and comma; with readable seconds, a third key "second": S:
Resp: {"hour": 4, "minute": 58}
